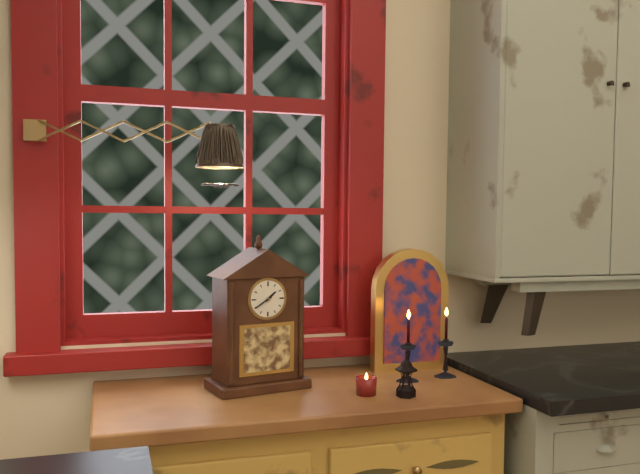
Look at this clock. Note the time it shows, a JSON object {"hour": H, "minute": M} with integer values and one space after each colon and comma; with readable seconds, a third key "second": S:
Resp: {"hour": 1, "minute": 40}
